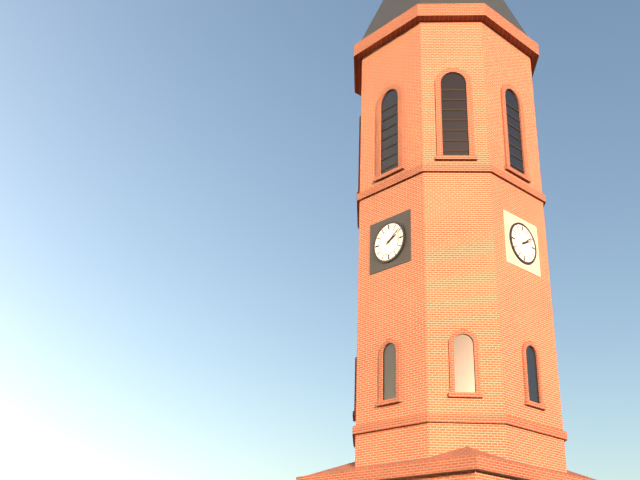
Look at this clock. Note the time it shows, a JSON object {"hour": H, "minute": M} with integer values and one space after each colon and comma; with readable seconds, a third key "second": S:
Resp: {"hour": 2, "minute": 9}
